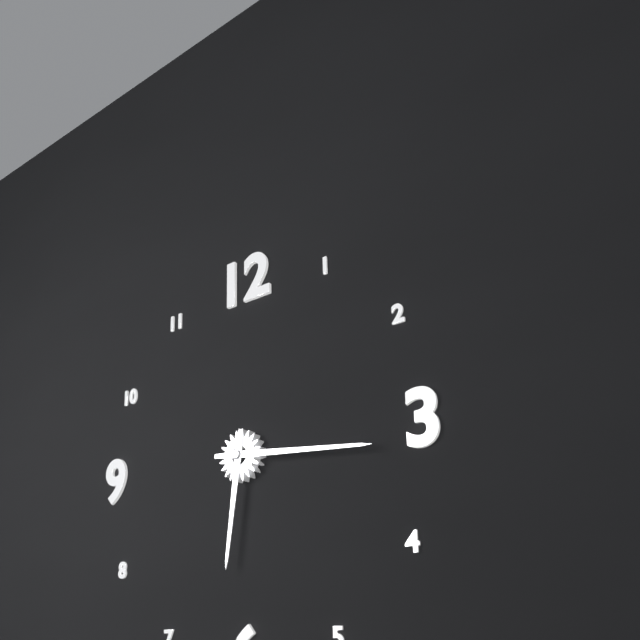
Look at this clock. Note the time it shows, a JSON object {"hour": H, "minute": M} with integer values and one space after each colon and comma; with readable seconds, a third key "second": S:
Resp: {"hour": 6, "minute": 16}
